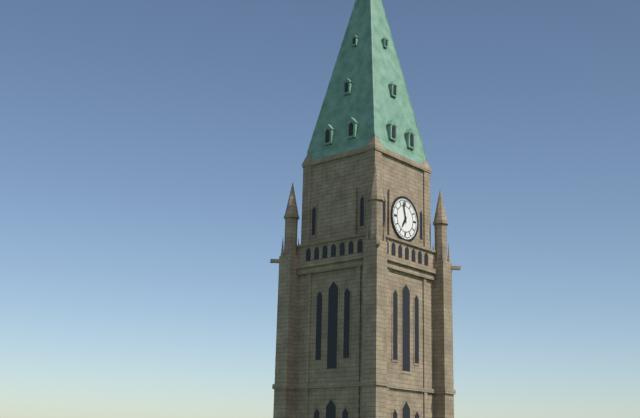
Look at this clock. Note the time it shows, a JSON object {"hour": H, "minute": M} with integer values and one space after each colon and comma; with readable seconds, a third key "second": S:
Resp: {"hour": 6, "minute": 58}
